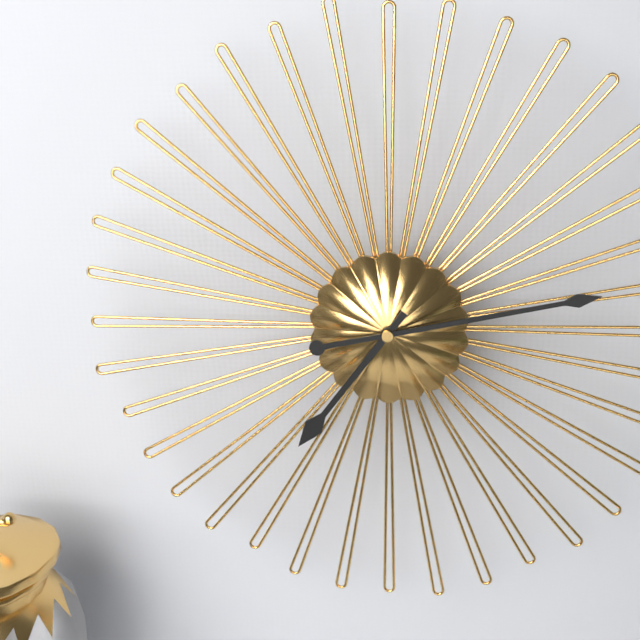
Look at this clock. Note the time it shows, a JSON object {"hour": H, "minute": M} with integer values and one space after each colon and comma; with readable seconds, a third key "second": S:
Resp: {"hour": 7, "minute": 13}
